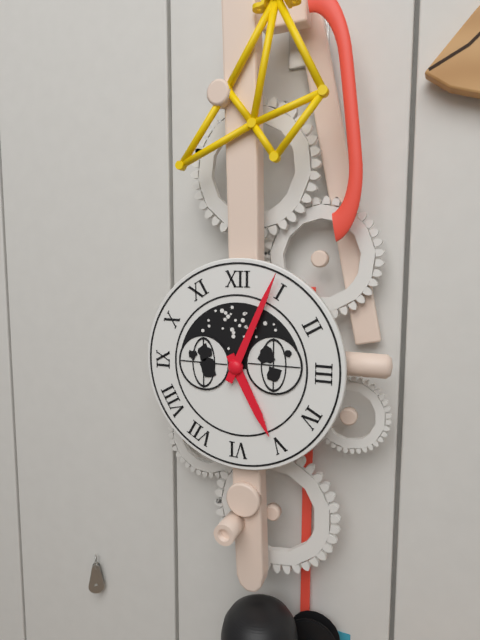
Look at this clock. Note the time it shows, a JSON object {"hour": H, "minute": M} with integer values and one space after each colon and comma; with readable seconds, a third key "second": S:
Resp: {"hour": 5, "minute": 4}
